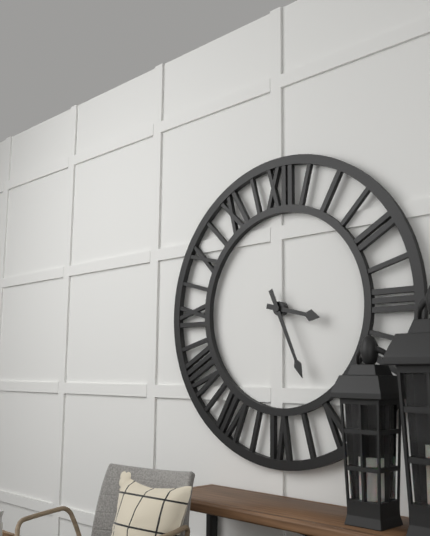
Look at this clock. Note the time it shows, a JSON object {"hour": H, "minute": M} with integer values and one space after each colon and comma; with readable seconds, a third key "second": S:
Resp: {"hour": 3, "minute": 26}
